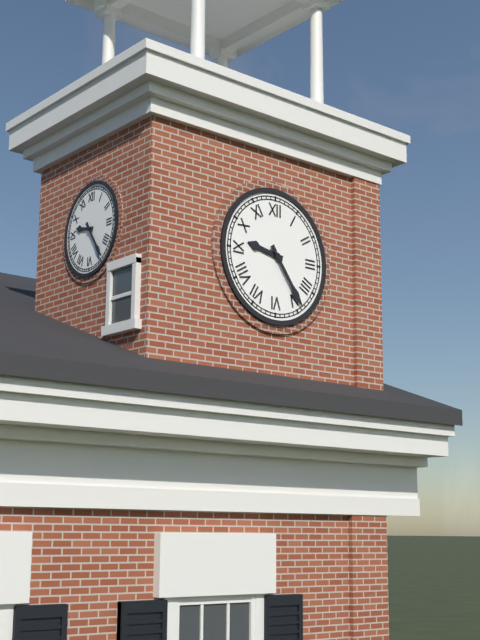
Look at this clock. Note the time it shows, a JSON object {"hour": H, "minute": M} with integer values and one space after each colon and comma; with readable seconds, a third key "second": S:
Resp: {"hour": 9, "minute": 24}
